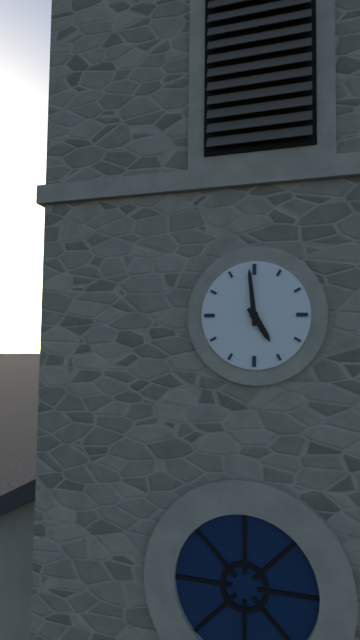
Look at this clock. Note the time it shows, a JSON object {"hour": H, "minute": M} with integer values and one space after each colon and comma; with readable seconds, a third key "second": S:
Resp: {"hour": 4, "minute": 59}
